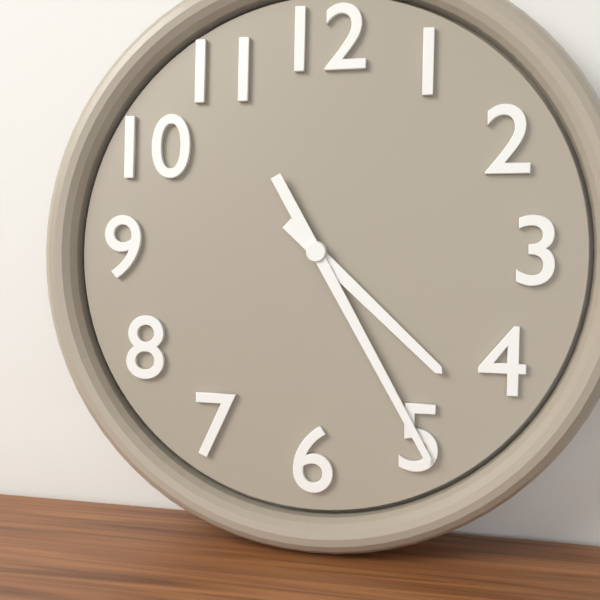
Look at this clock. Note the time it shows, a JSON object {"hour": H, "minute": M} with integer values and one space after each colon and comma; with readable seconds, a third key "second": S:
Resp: {"hour": 4, "minute": 25}
